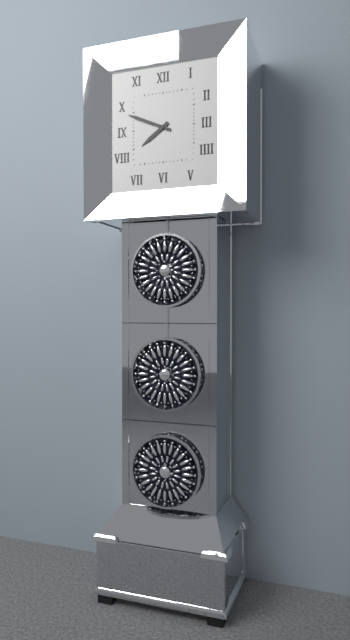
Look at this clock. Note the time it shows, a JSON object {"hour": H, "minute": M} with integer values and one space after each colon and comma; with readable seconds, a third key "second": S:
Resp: {"hour": 7, "minute": 49}
